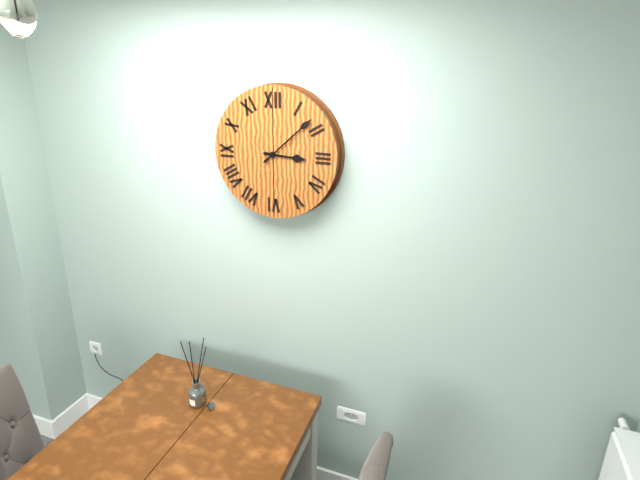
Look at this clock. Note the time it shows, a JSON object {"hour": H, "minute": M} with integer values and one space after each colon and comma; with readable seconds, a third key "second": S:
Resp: {"hour": 3, "minute": 8}
